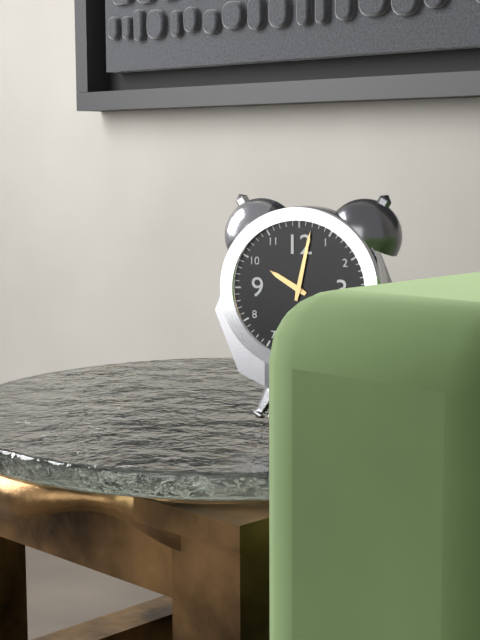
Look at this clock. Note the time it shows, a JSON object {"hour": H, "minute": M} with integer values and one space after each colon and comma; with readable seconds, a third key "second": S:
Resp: {"hour": 10, "minute": 2}
